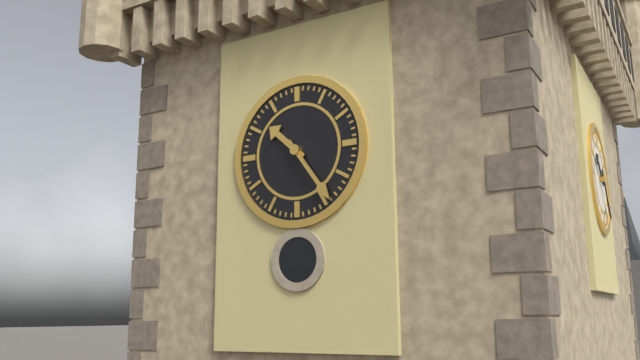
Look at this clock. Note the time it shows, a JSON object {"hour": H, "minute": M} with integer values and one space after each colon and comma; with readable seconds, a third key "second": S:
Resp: {"hour": 10, "minute": 24}
